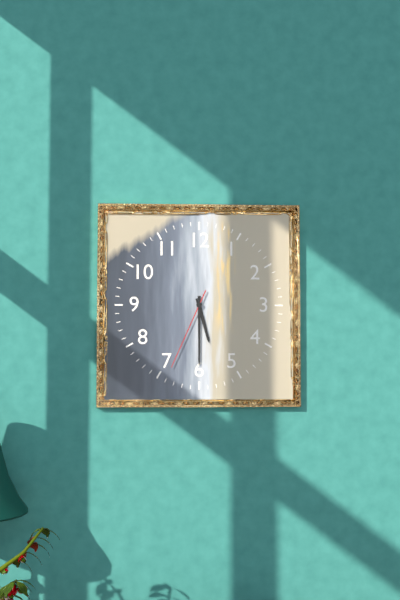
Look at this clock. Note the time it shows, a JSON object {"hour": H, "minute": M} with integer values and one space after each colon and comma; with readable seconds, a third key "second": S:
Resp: {"hour": 5, "minute": 30, "second": 34}
